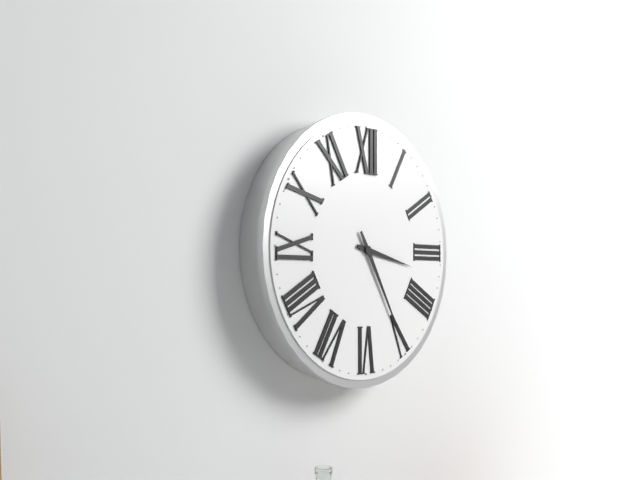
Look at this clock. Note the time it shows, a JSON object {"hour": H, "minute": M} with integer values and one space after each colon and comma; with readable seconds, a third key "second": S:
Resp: {"hour": 3, "minute": 25}
